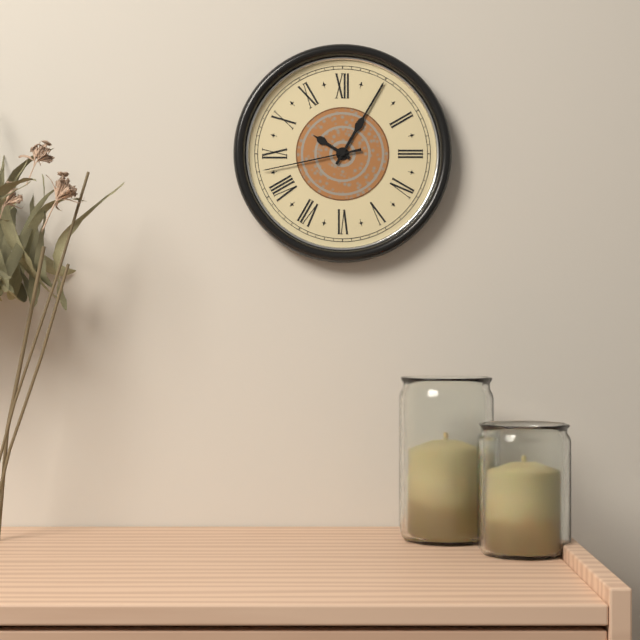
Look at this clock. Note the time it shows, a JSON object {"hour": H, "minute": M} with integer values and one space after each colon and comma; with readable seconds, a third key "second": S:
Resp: {"hour": 10, "minute": 5, "second": 43}
